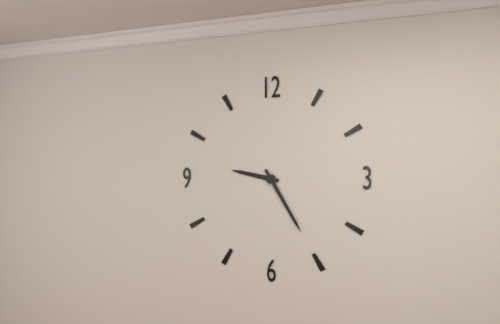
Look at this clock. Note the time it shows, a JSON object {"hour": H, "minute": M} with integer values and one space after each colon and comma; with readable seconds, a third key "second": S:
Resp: {"hour": 9, "minute": 25}
